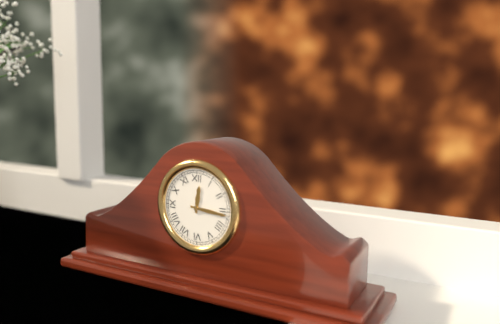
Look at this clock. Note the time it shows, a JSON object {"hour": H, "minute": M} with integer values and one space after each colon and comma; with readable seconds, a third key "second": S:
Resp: {"hour": 12, "minute": 16}
